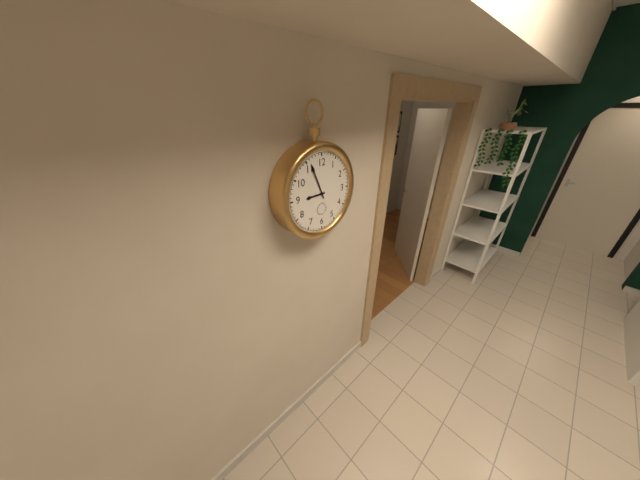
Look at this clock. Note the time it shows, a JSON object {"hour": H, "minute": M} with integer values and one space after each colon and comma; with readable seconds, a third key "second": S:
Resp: {"hour": 8, "minute": 56}
